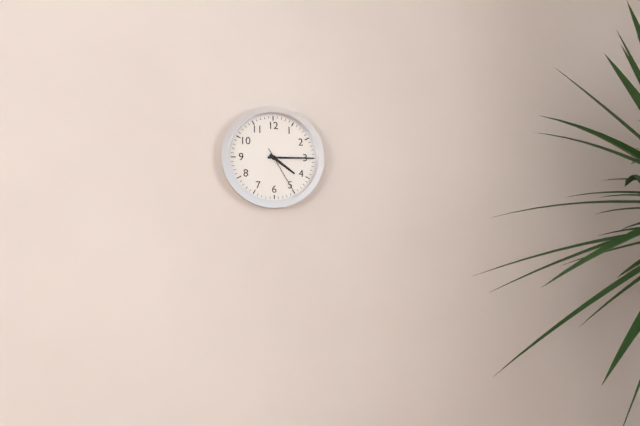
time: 4:15:25
